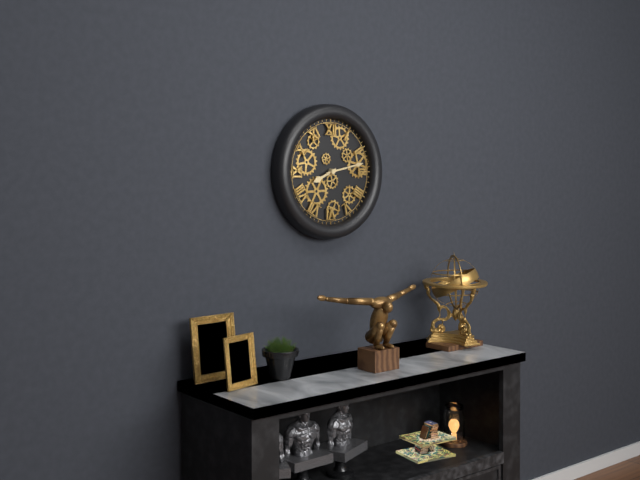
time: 8:13
